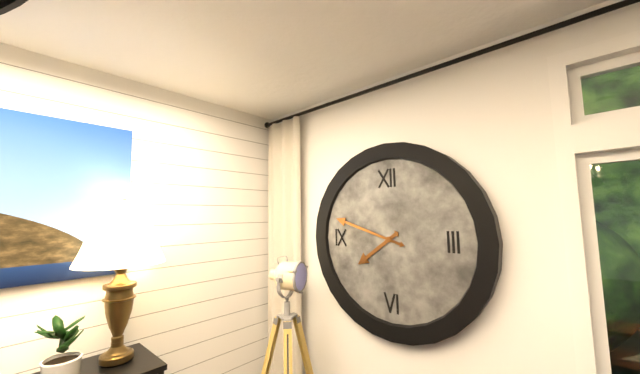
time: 7:48
